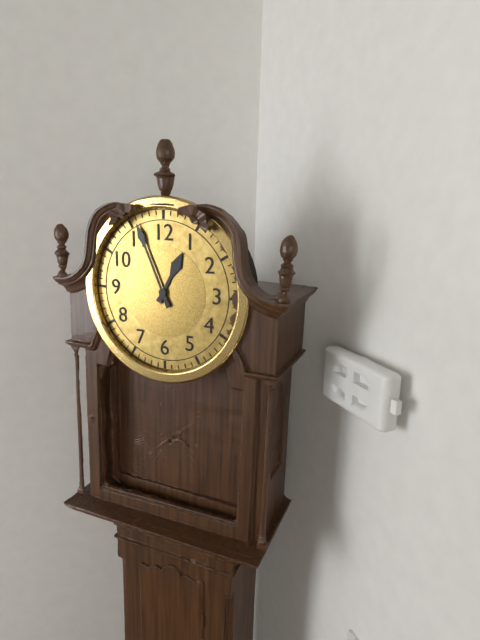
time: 12:56
